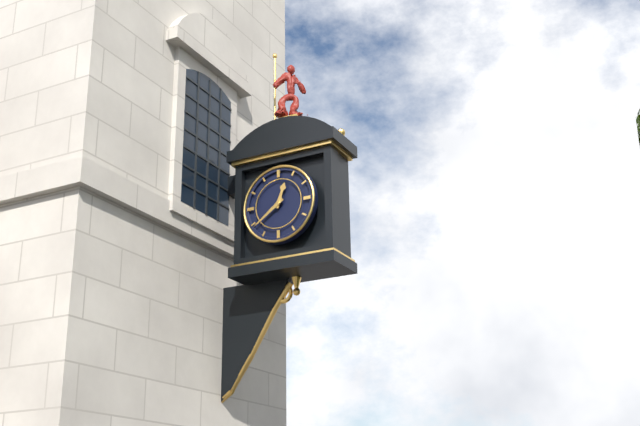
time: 12:39
